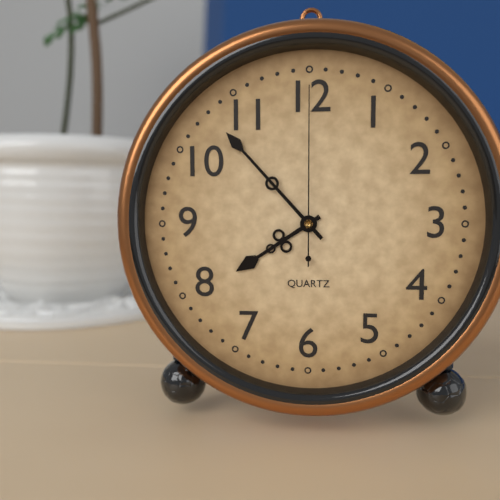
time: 7:53:00
